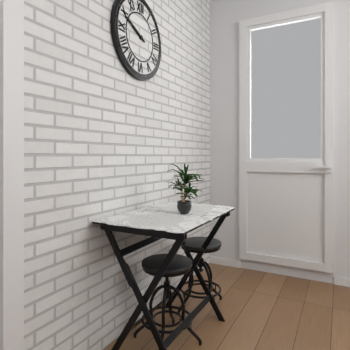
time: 9:49
